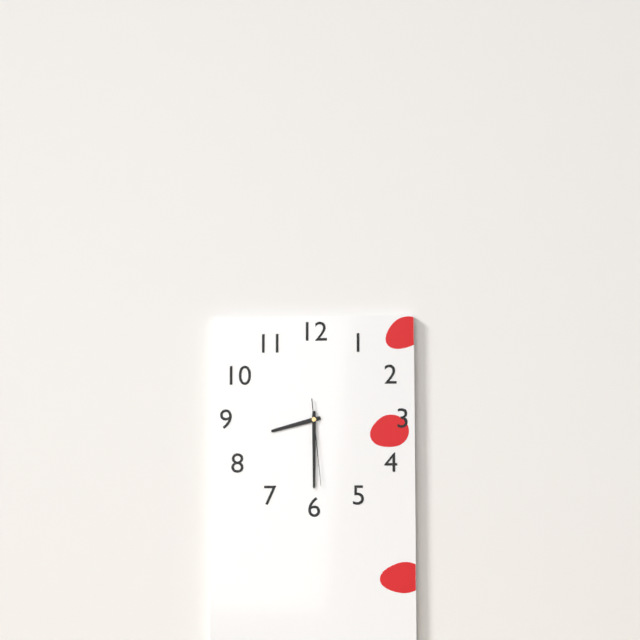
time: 8:30:29
